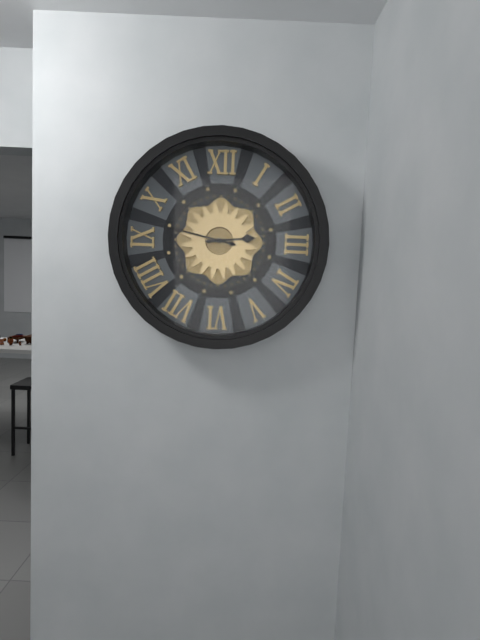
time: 2:47
